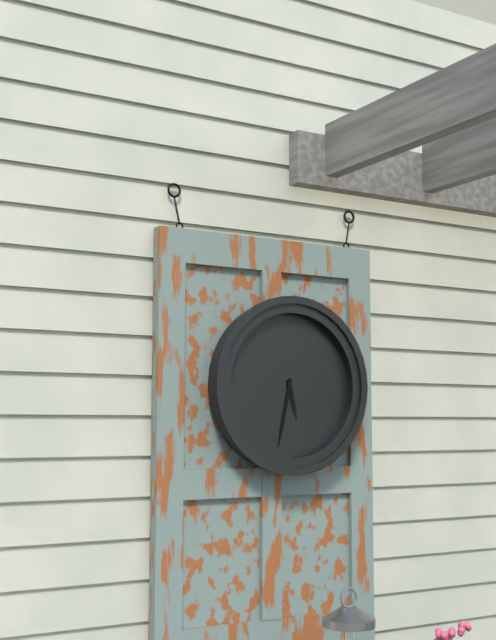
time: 5:32
